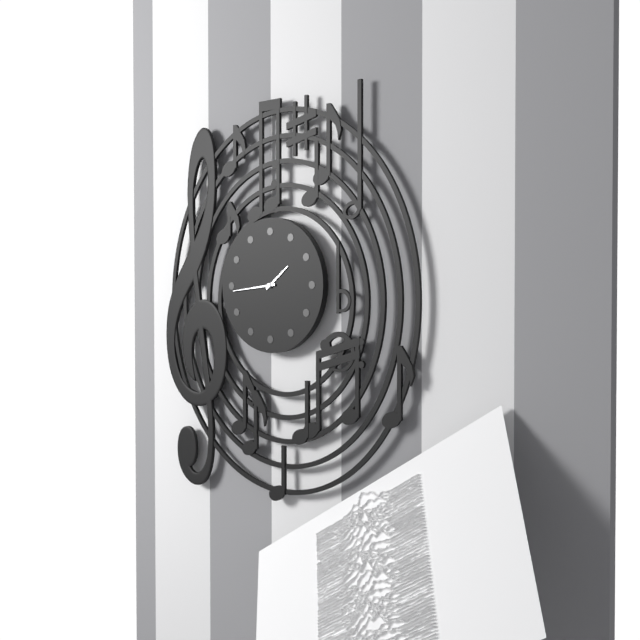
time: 1:44
